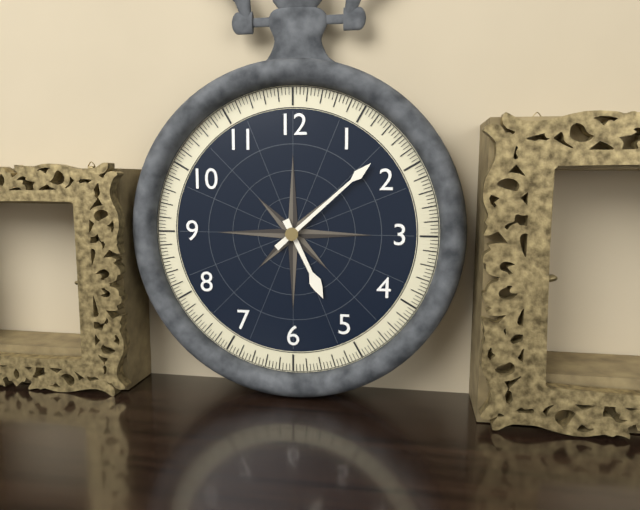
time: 5:08
